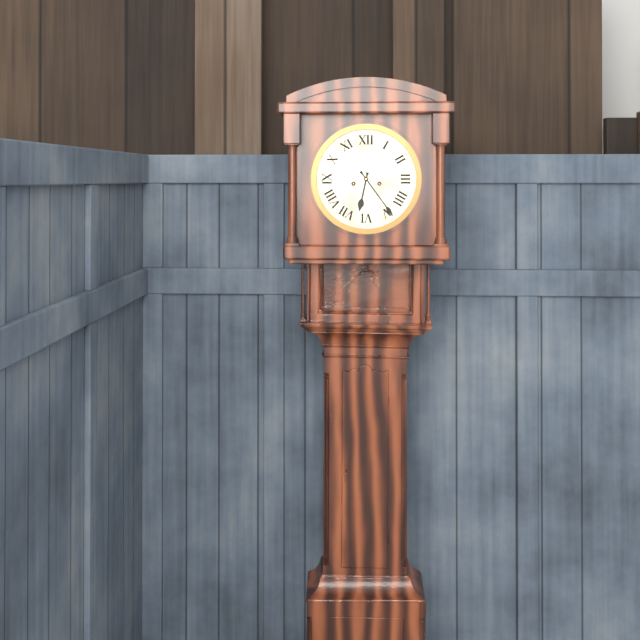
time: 6:24
